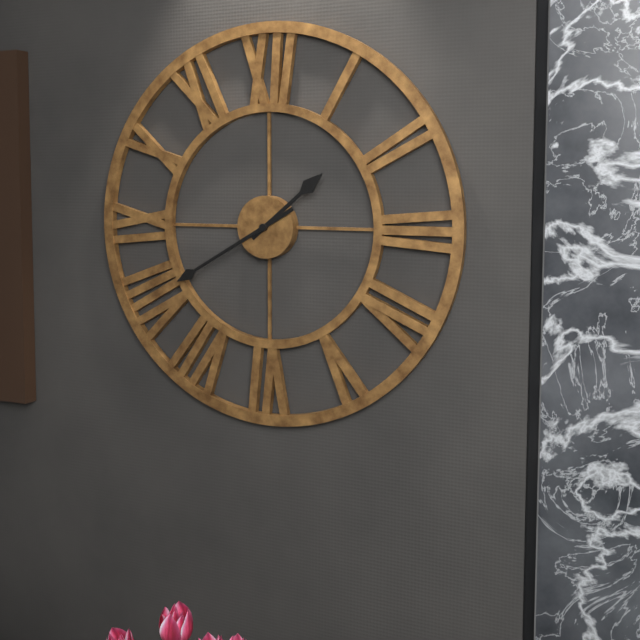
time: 1:40
